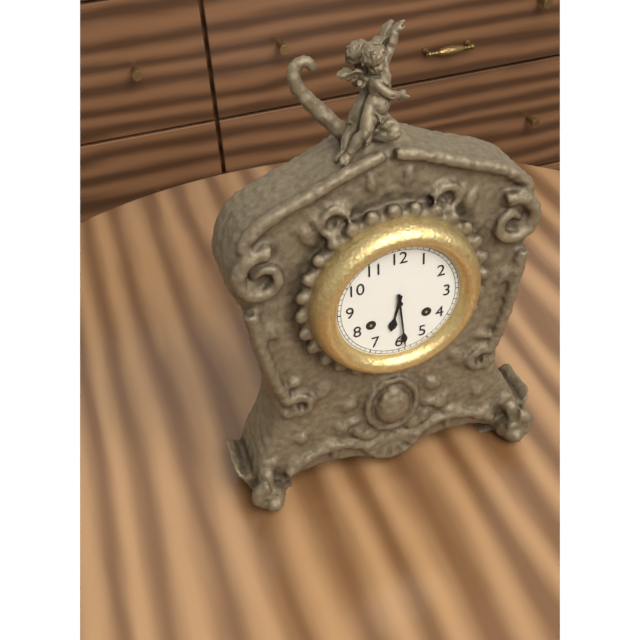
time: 6:29
